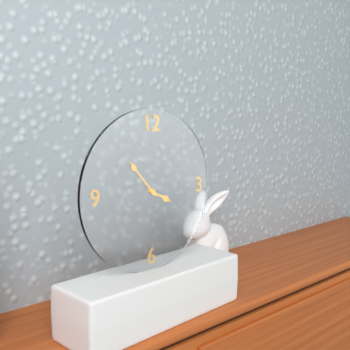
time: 3:53
